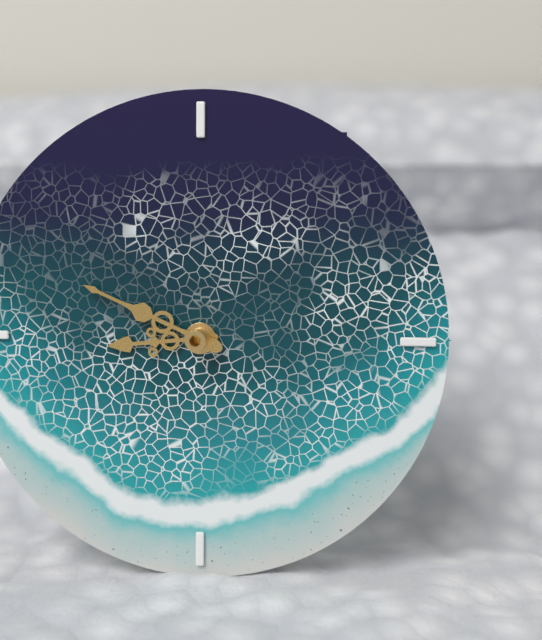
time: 8:49
